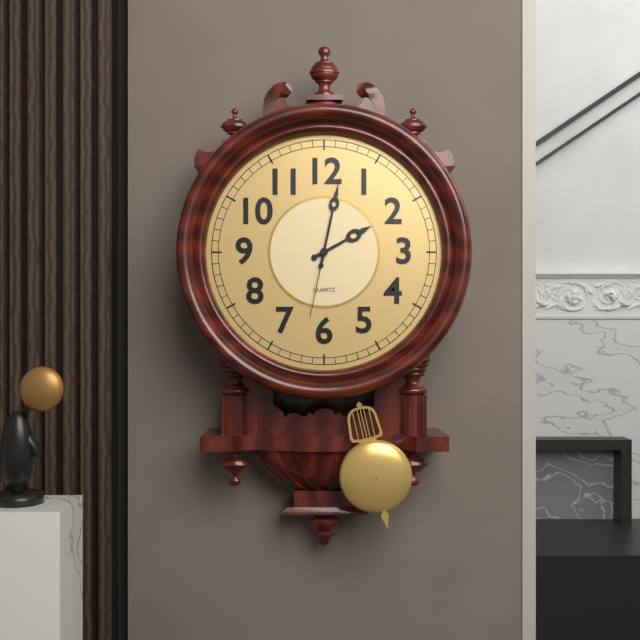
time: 2:02:32
